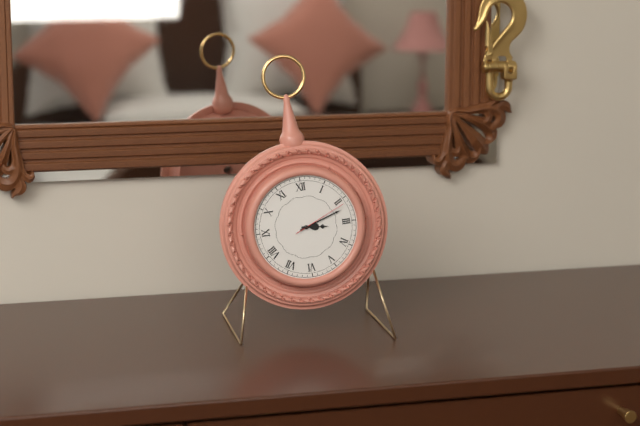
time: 3:12:11
